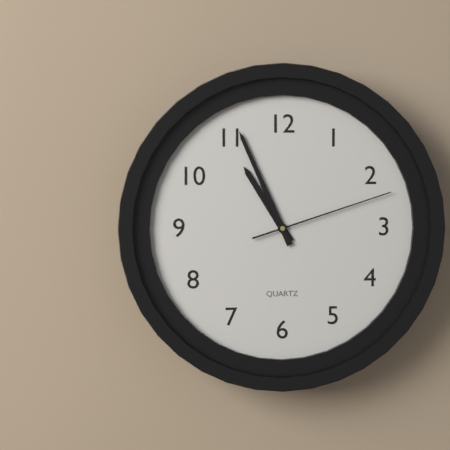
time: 10:56:12
